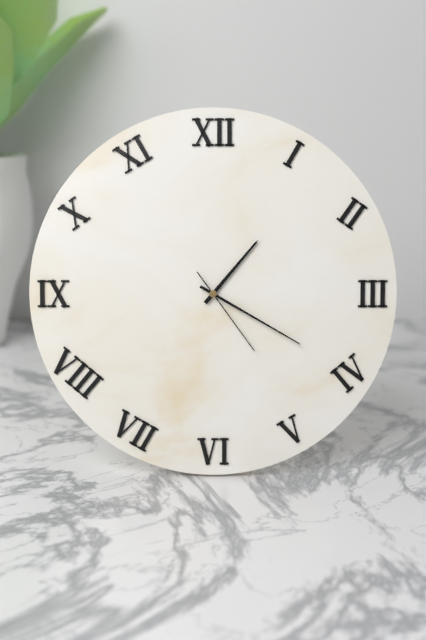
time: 1:20:24
